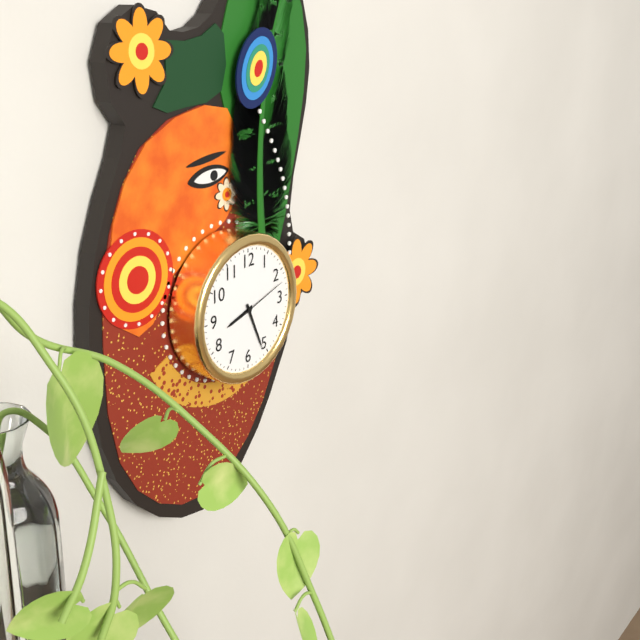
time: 8:26:12
